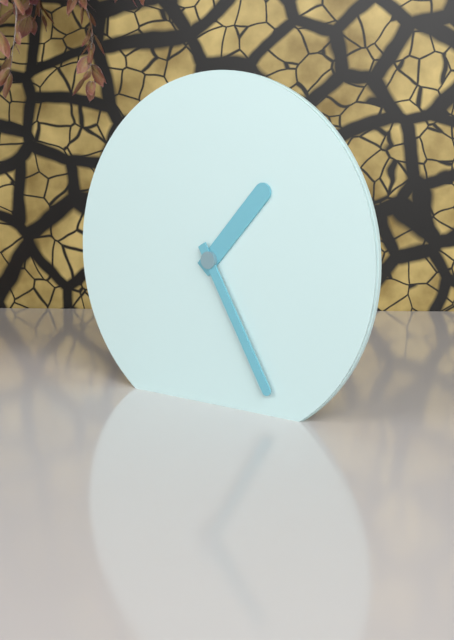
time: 1:25
